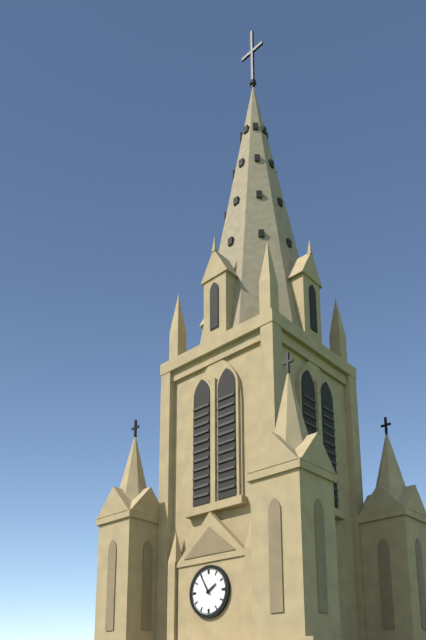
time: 1:55
